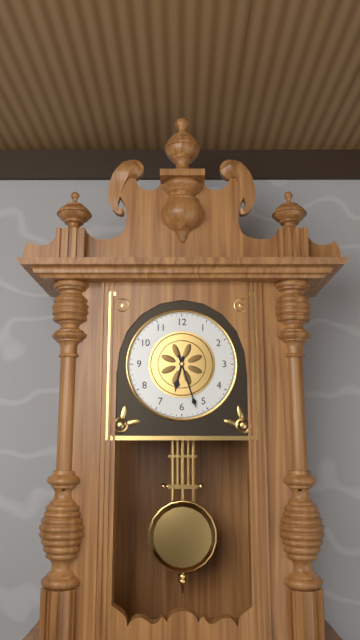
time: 6:27
